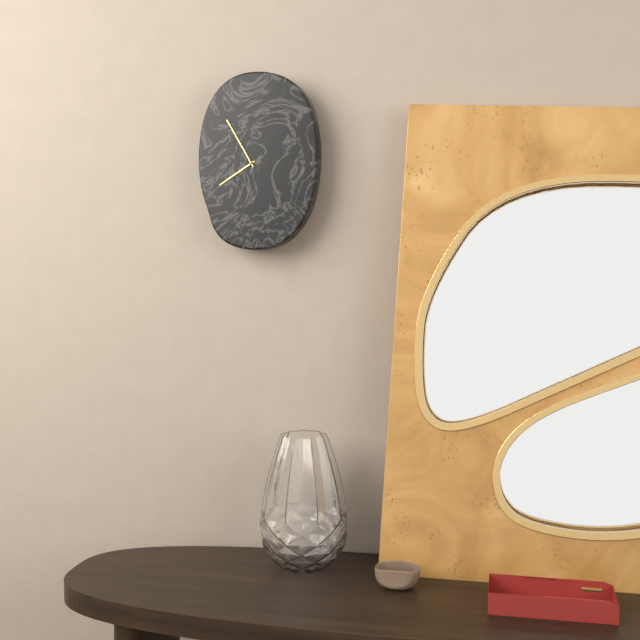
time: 7:55
